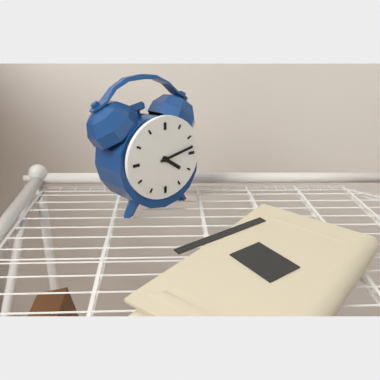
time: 4:13
